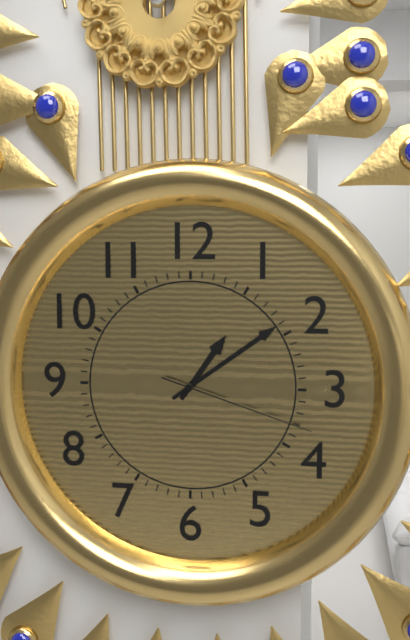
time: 1:09:18
